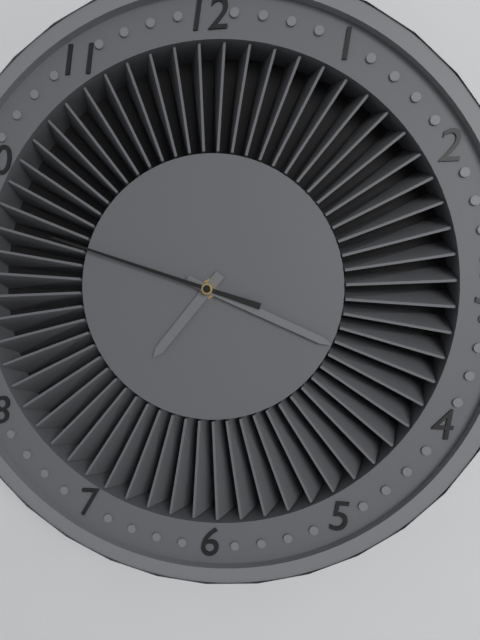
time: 7:19:48
